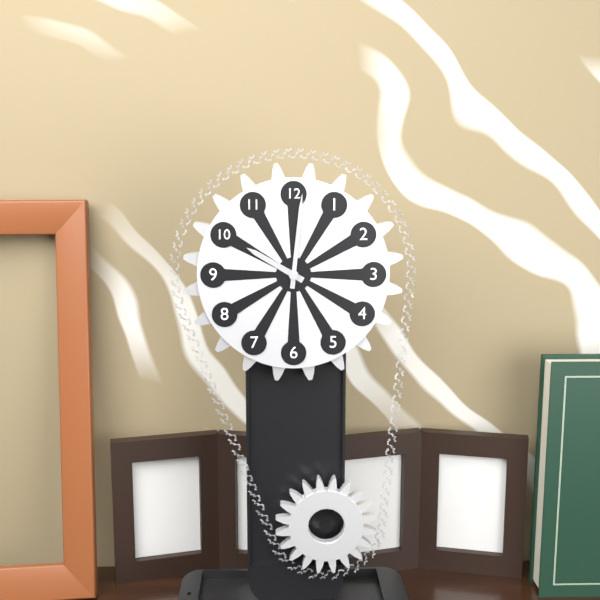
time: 10:01
